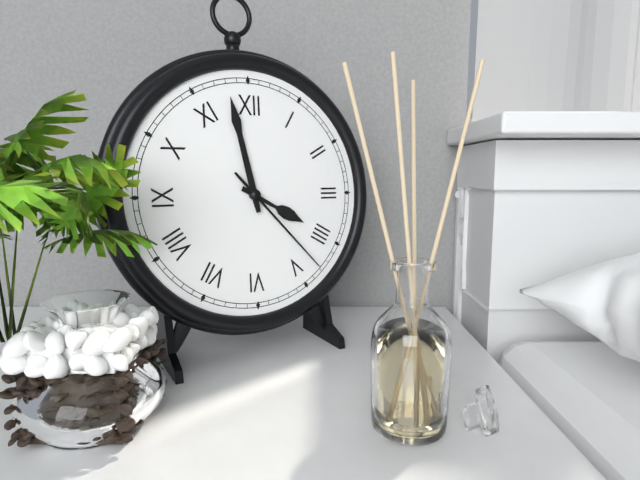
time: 3:58:23
